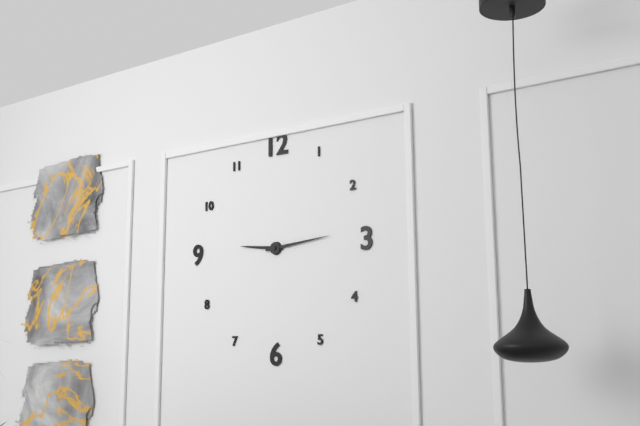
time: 9:14
